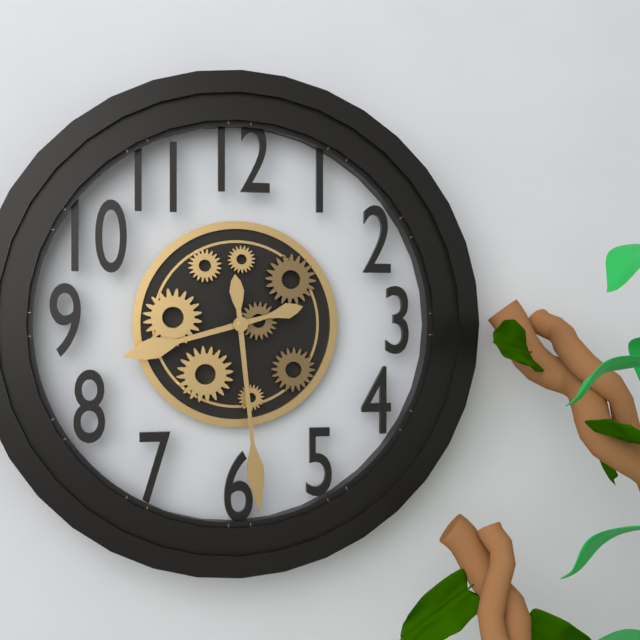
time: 8:29
